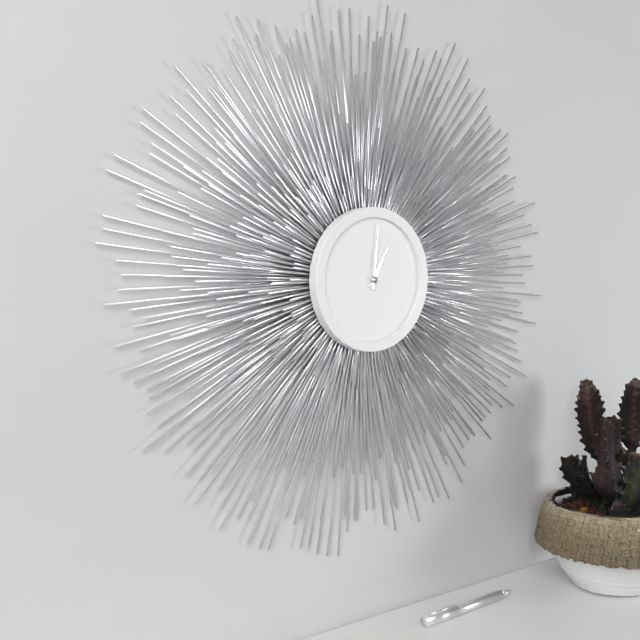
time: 1:01
